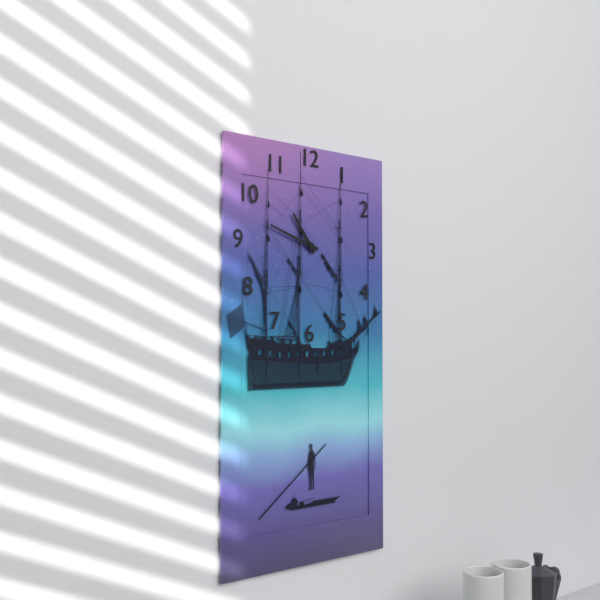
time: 10:48
